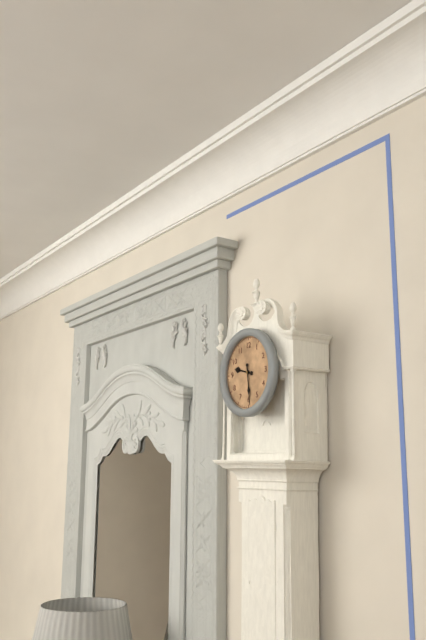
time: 9:29
